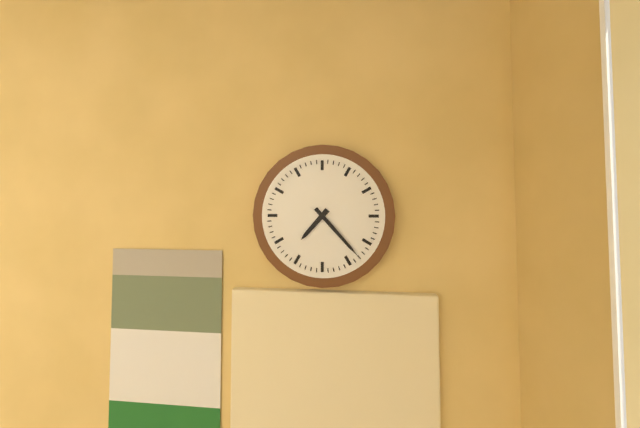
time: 7:23
